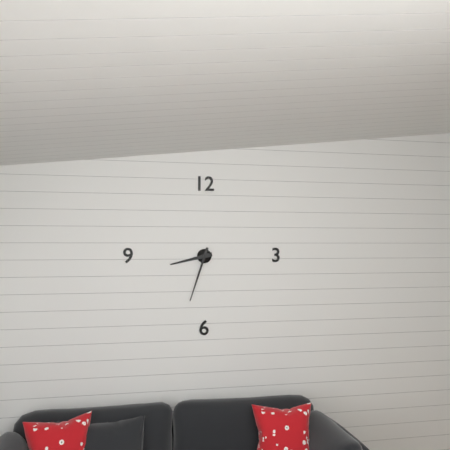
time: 8:33
